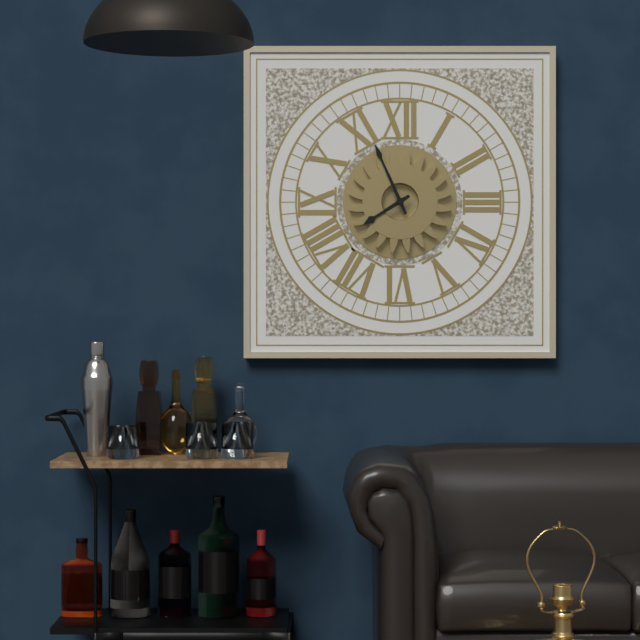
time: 7:56
